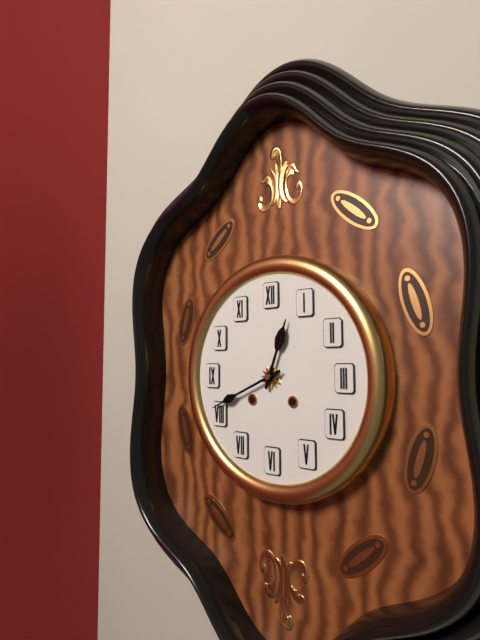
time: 12:41
